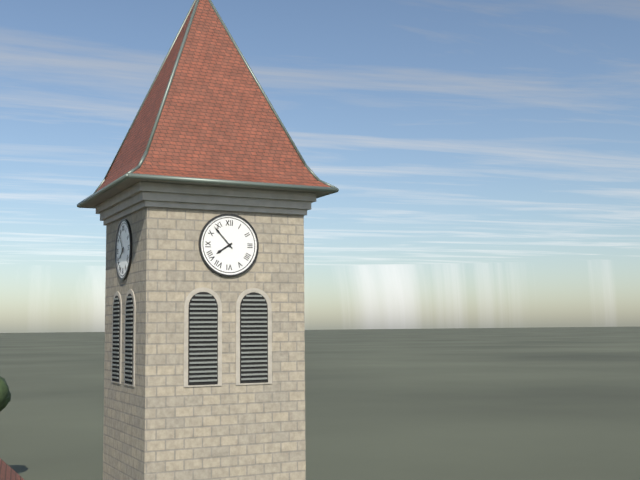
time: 7:53
